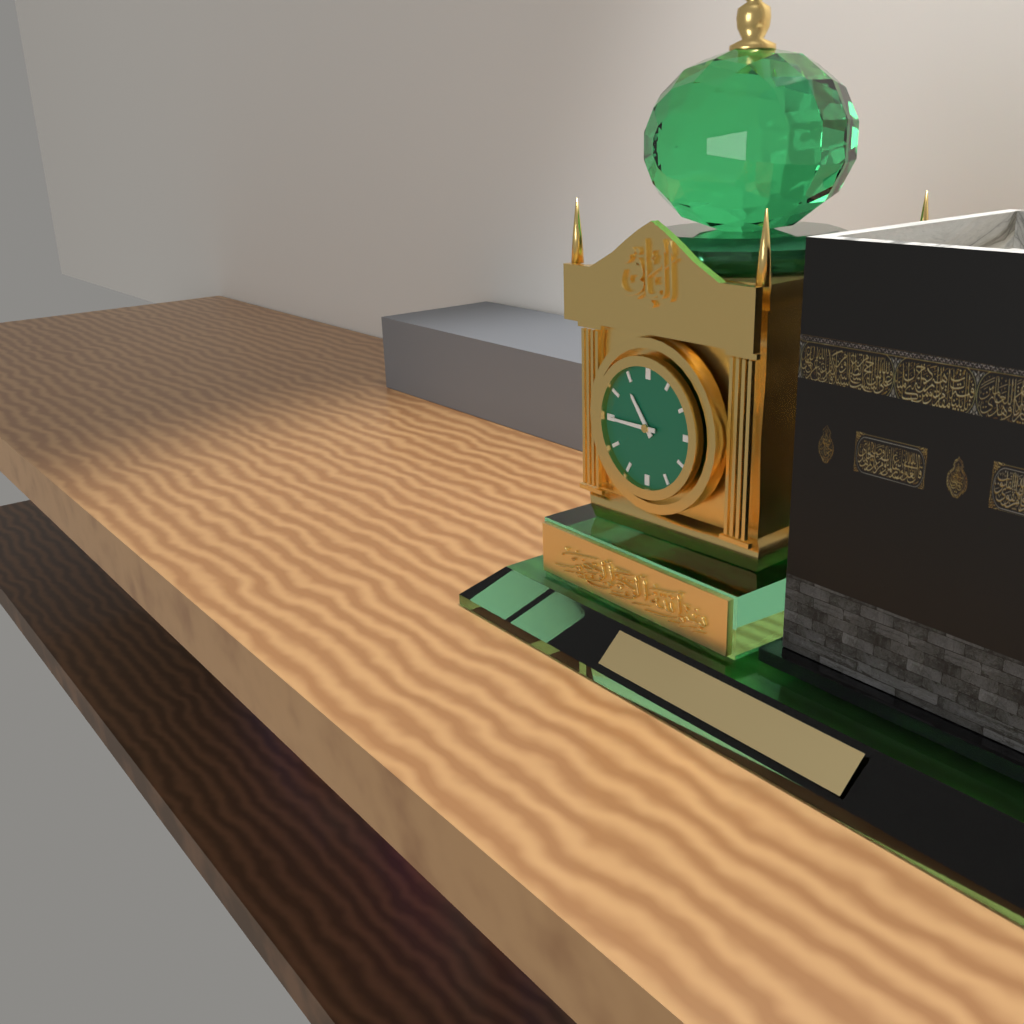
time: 10:45
